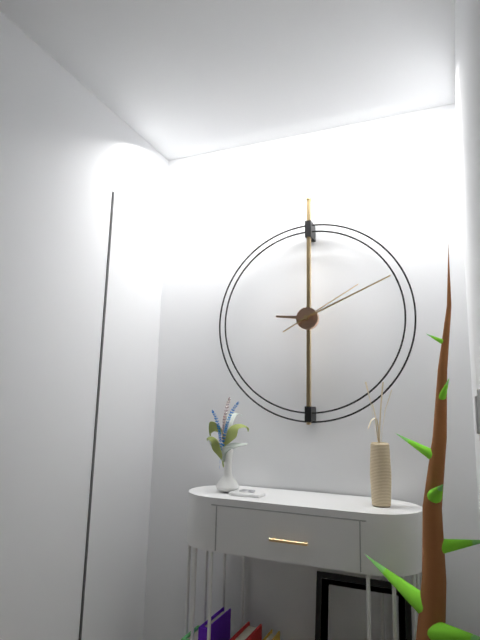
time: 9:11:10
